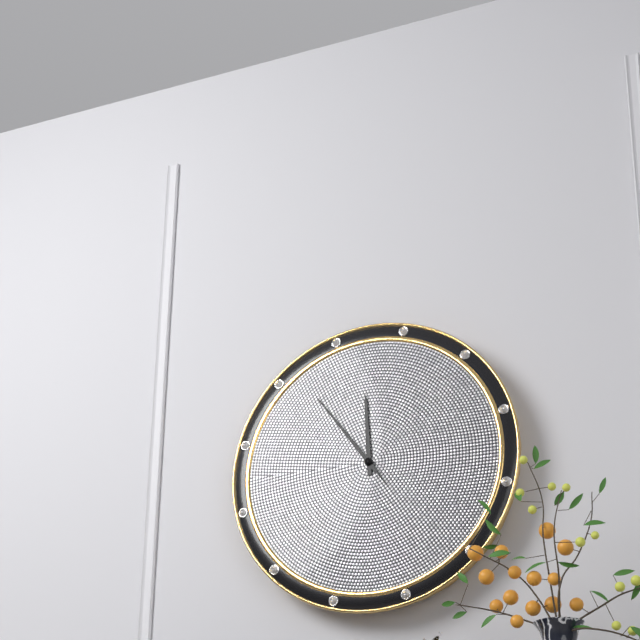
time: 11:54:54
